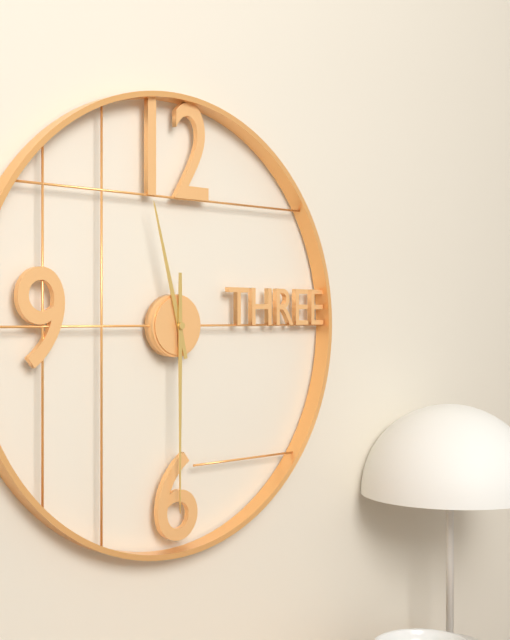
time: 11:30
